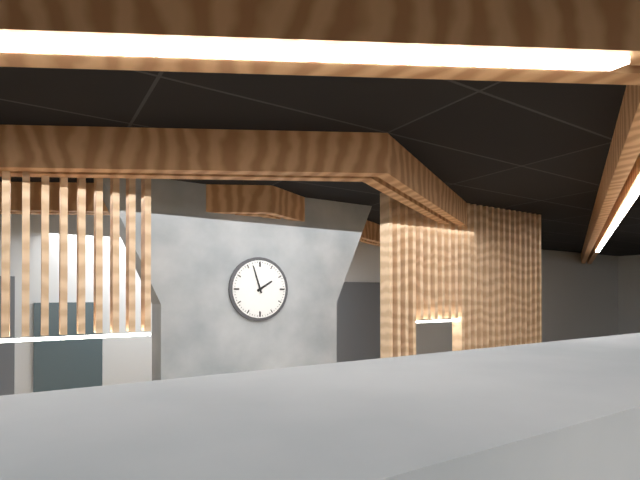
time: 1:57
